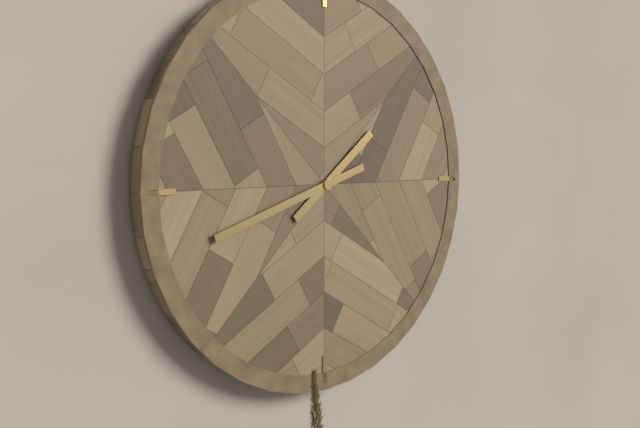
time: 1:42
